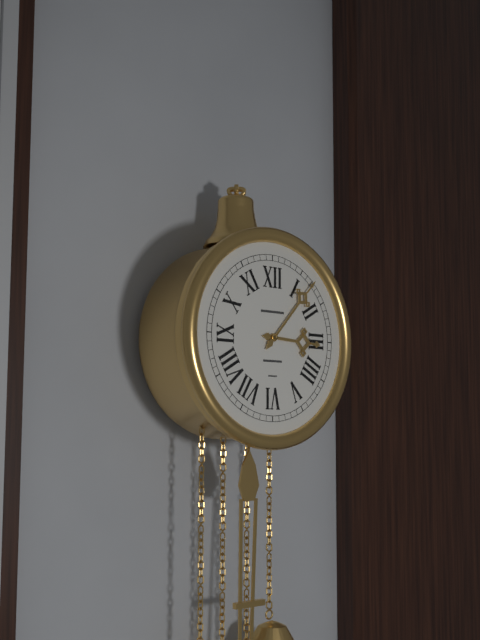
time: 3:07
